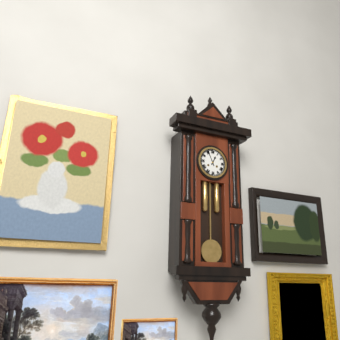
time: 12:56
